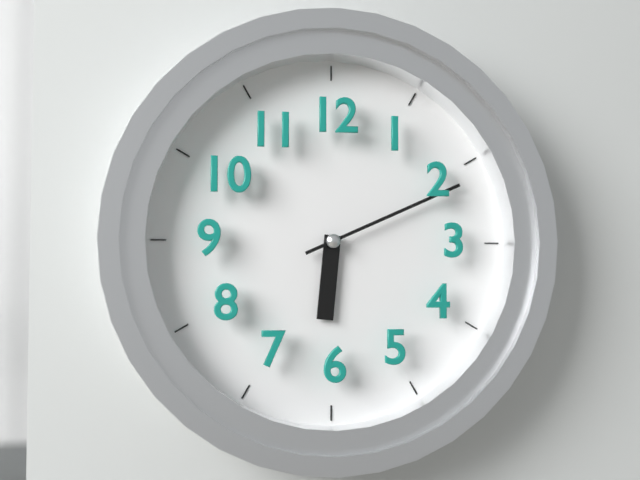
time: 6:11
